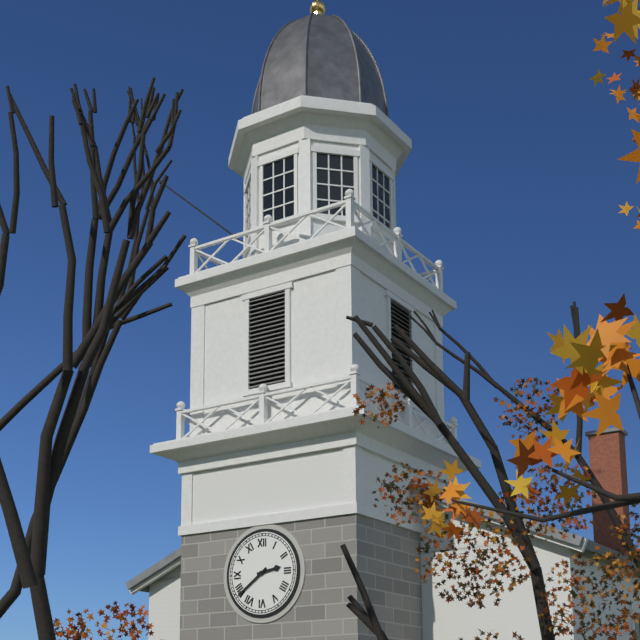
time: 2:39
